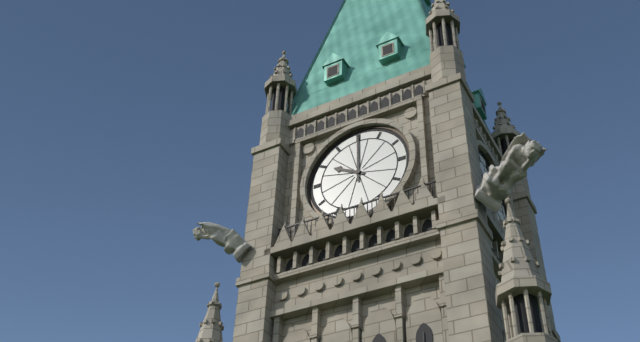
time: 10:00
